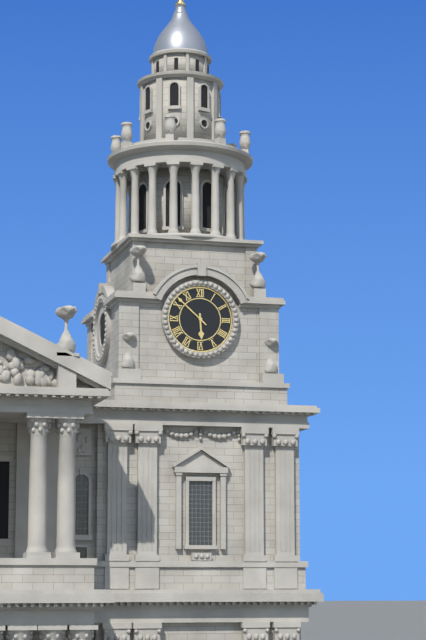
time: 5:52
